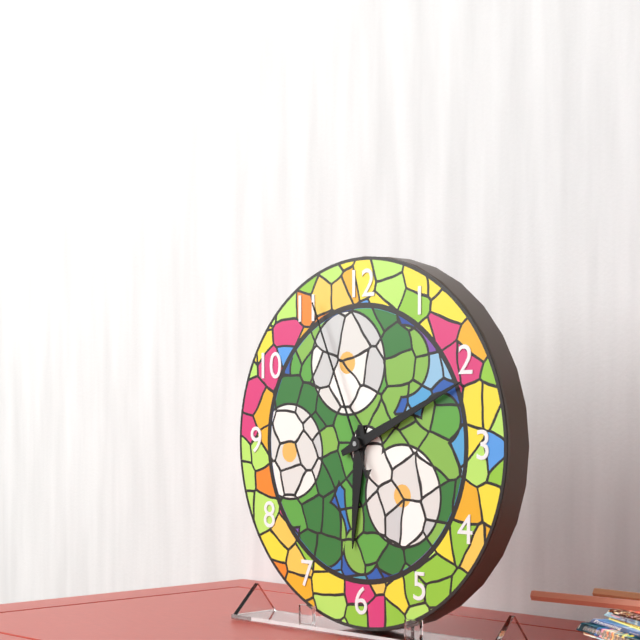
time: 6:11:56
